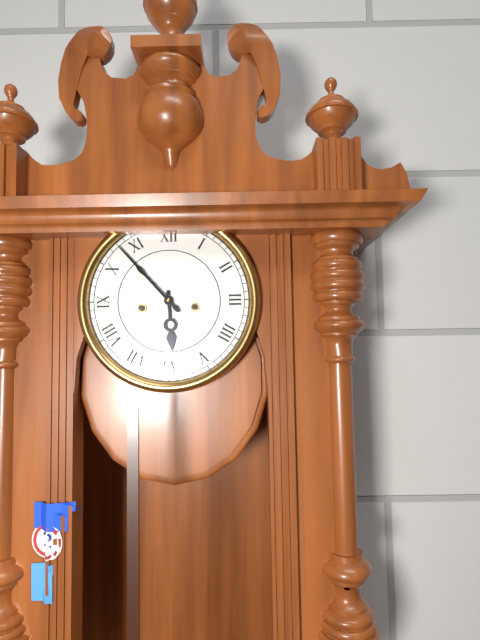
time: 5:53
